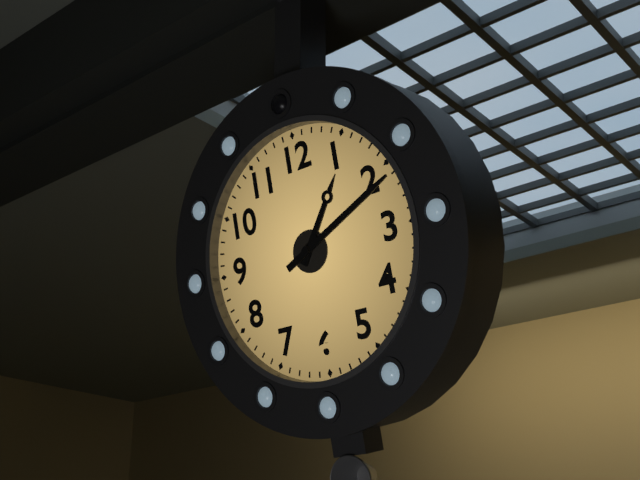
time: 1:11
